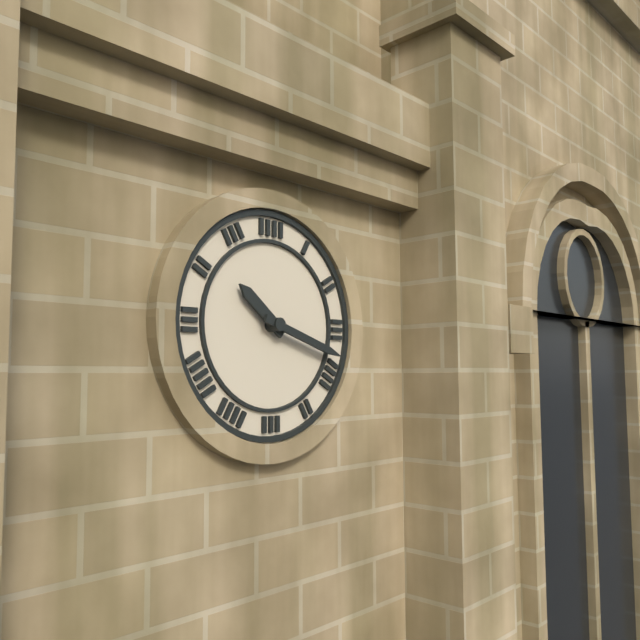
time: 10:18
